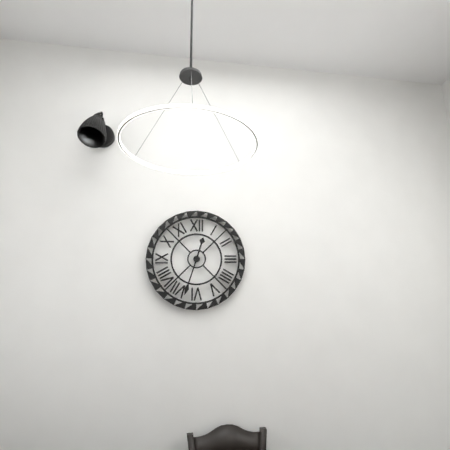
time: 12:33
